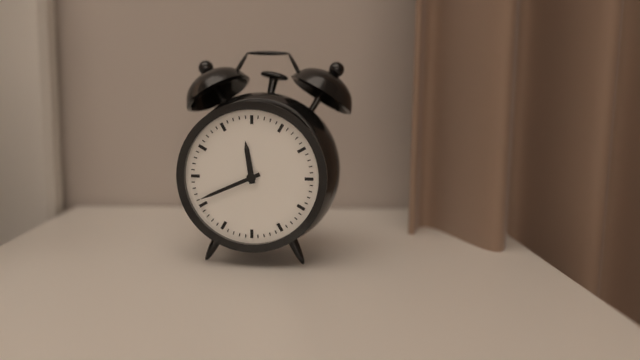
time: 11:41
